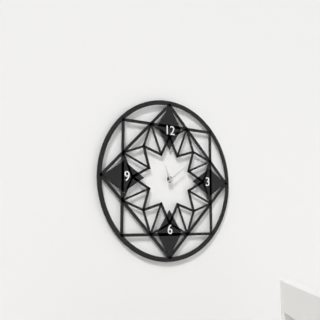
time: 11:09
